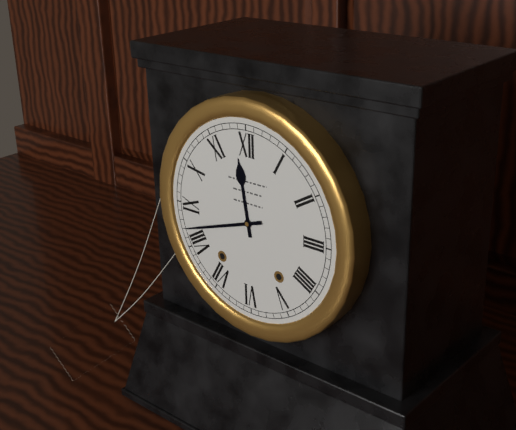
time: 11:42
